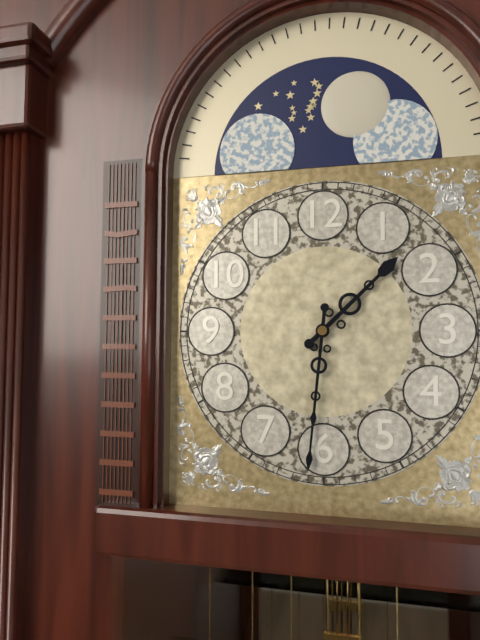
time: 1:31
